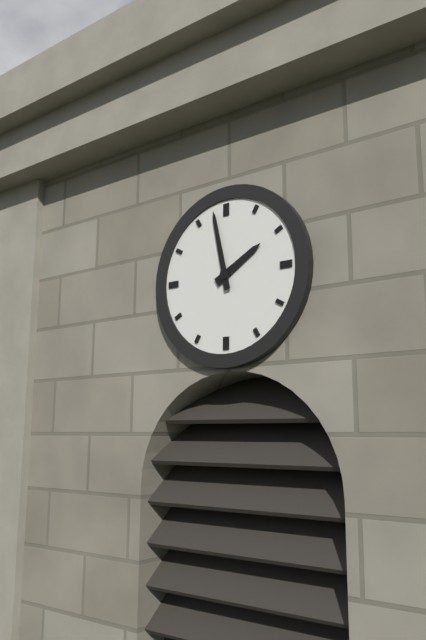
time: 1:58
